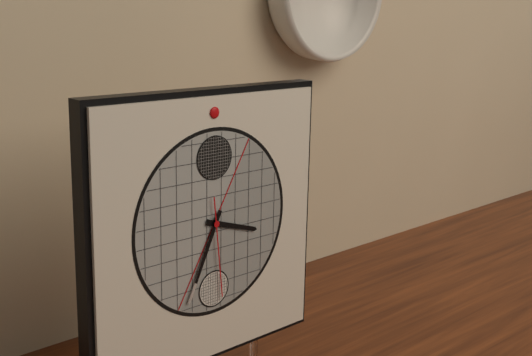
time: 3:34:29
